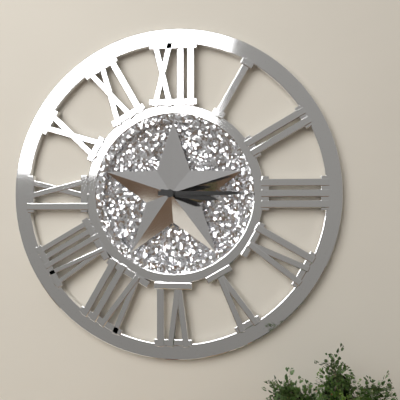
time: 3:15
